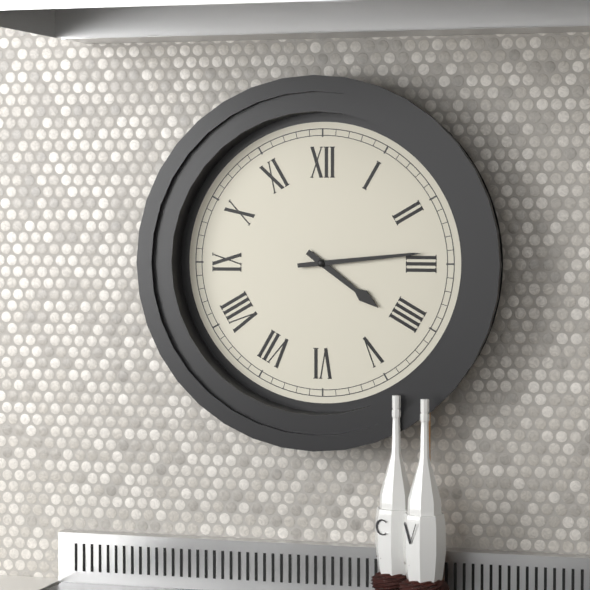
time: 4:14
